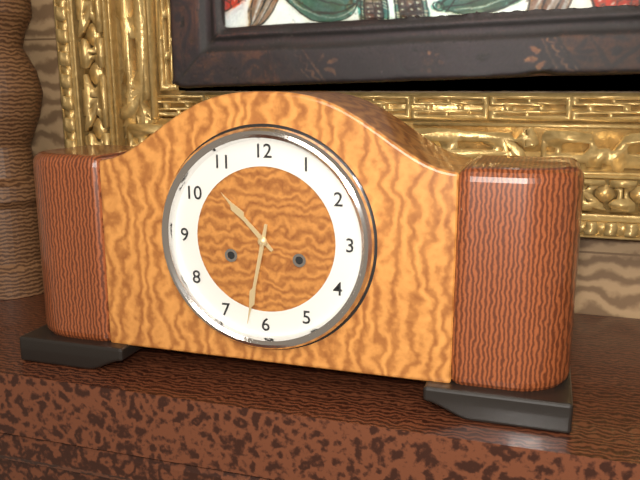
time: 10:32
